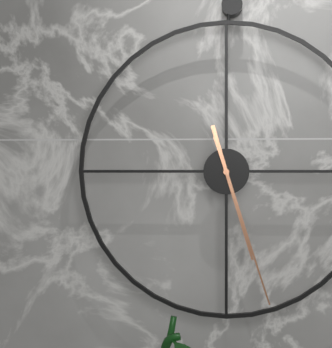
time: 5:27
